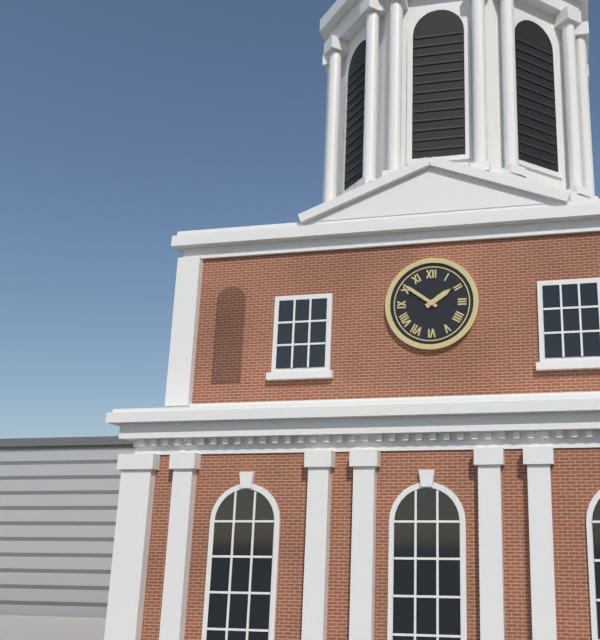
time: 1:51
